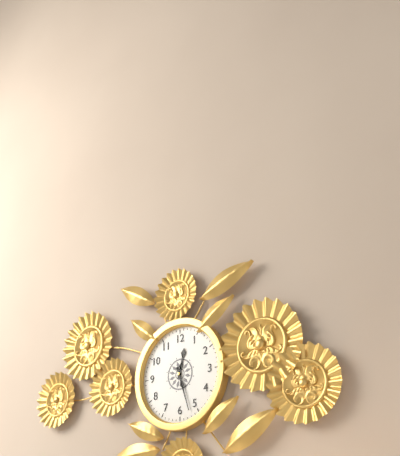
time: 12:27
